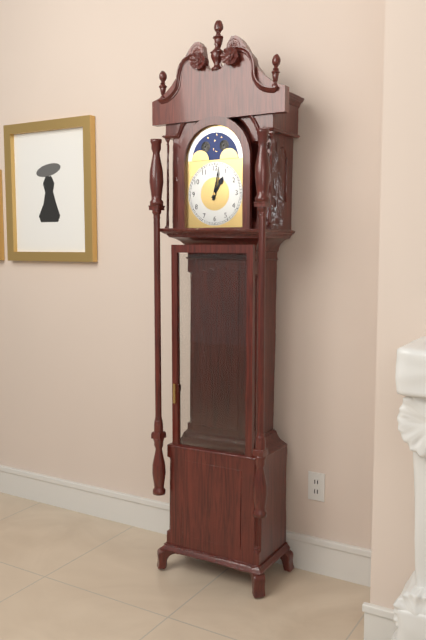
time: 1:02
